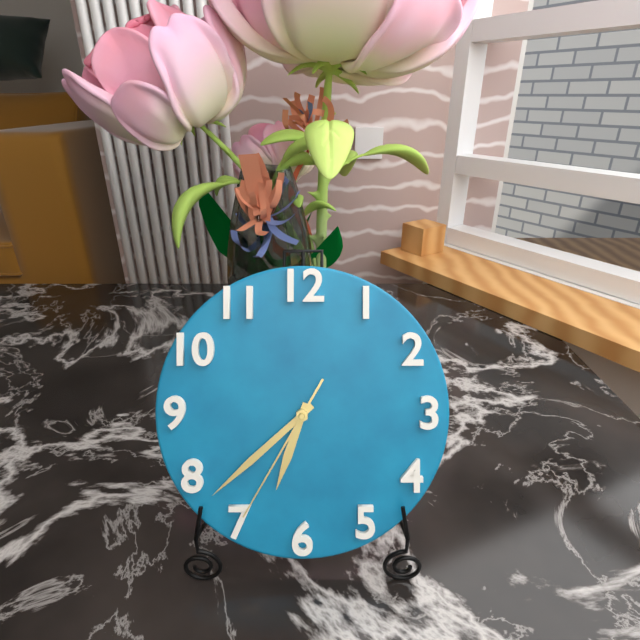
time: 6:38:35
